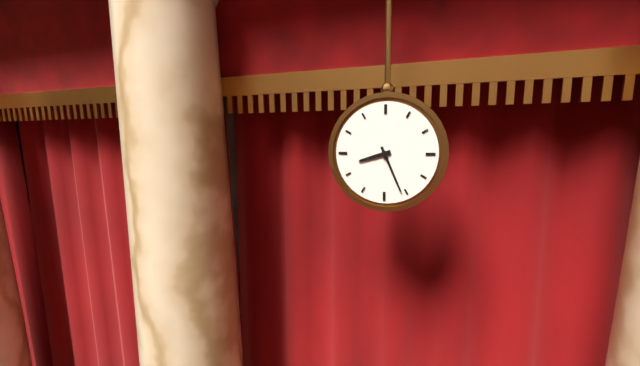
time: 8:26
